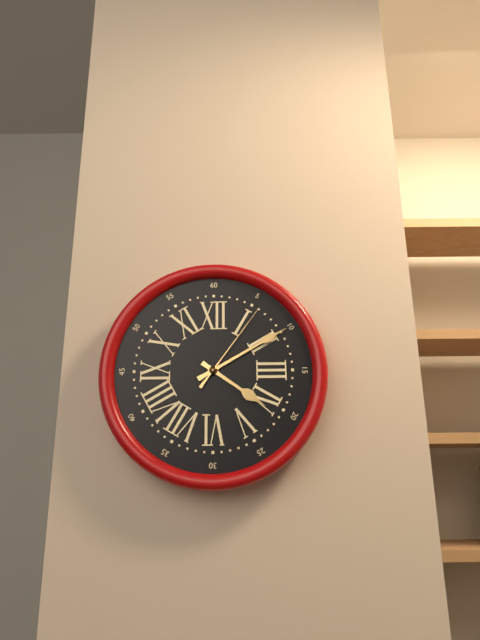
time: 4:10:06
